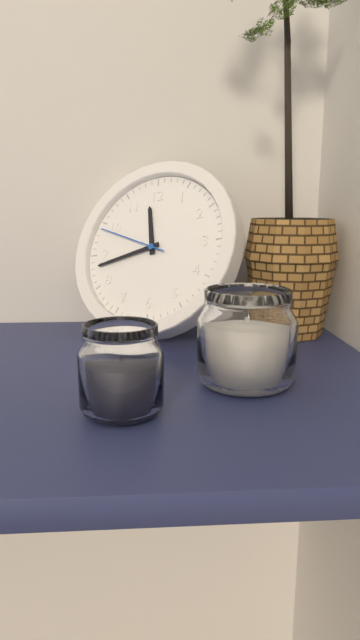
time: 11:43:49
